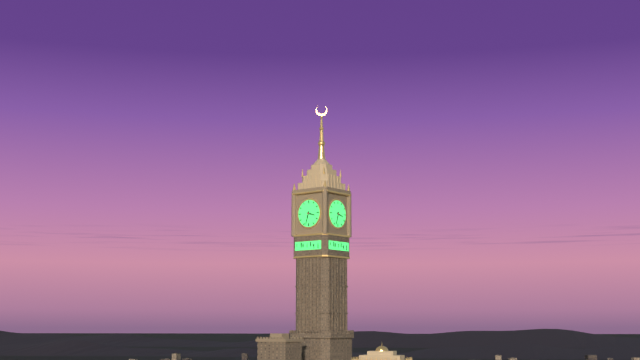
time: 3:33
